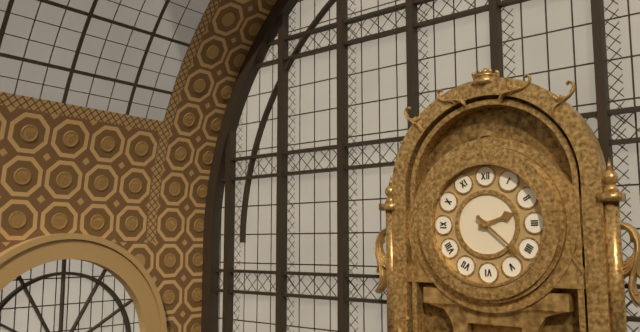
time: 2:22
